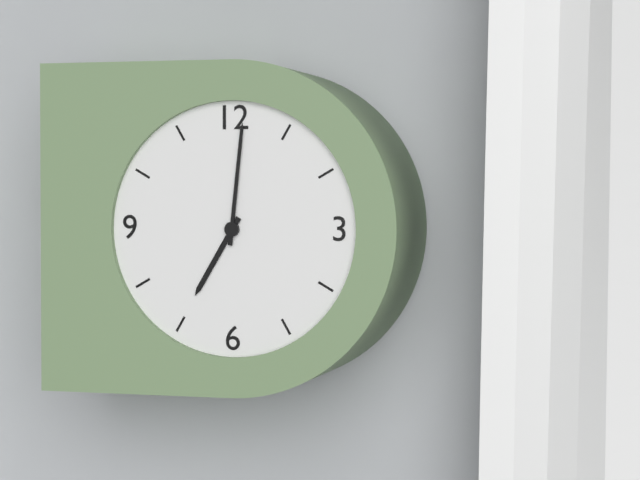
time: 7:01
